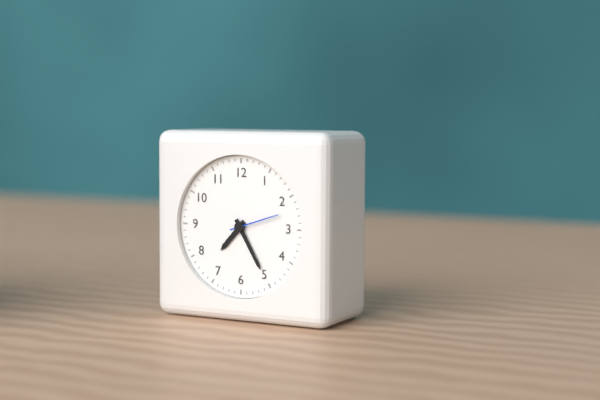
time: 7:25:12
